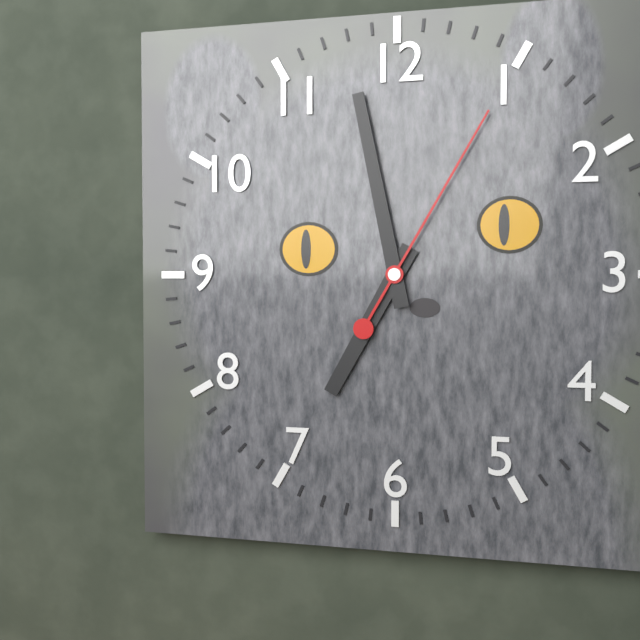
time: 6:58:05
